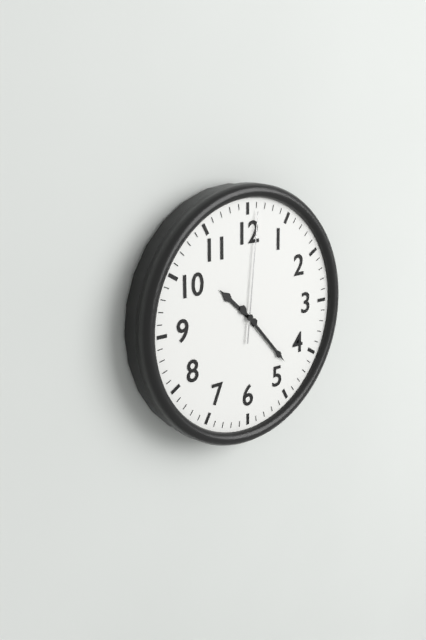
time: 10:23:01
